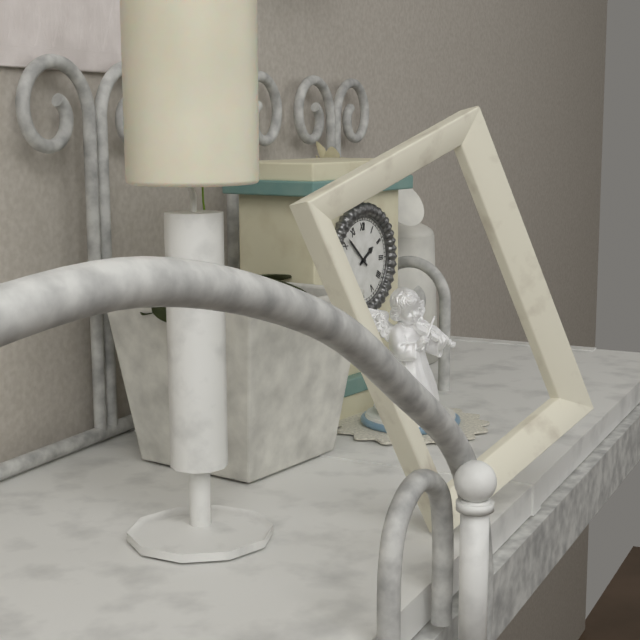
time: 1:52
